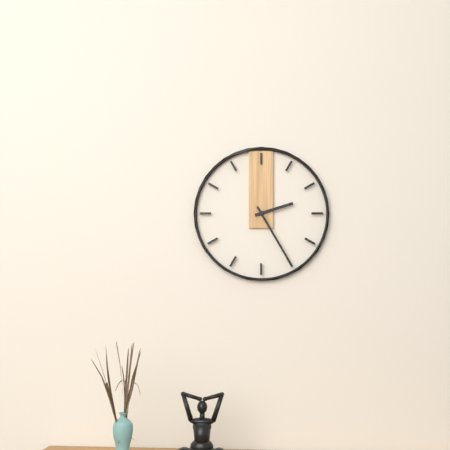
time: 2:25
